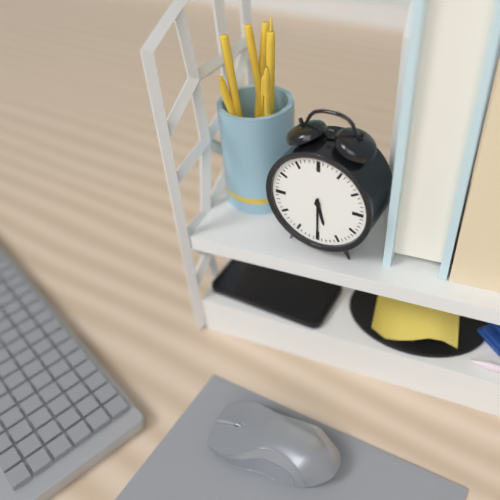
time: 5:30
